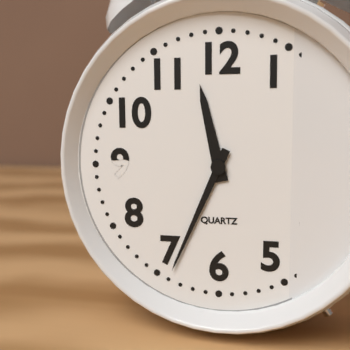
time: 11:34
